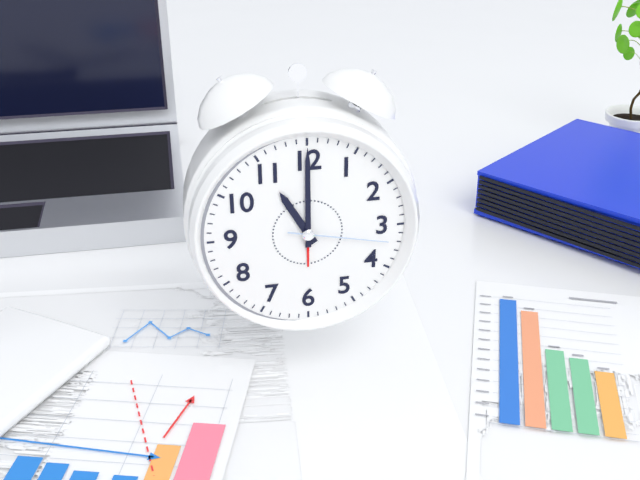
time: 11:00:17
